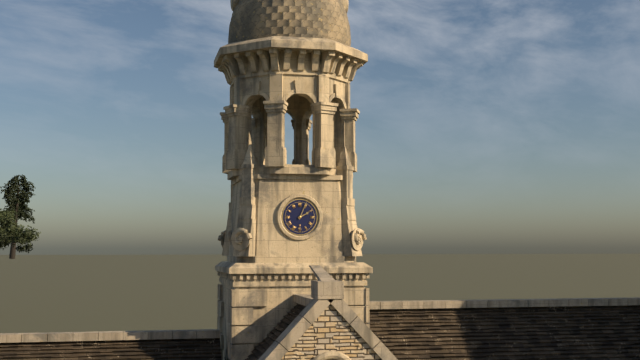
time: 2:04
